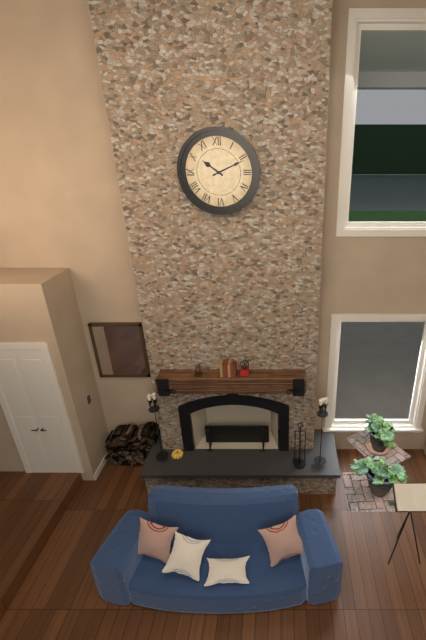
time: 10:11
